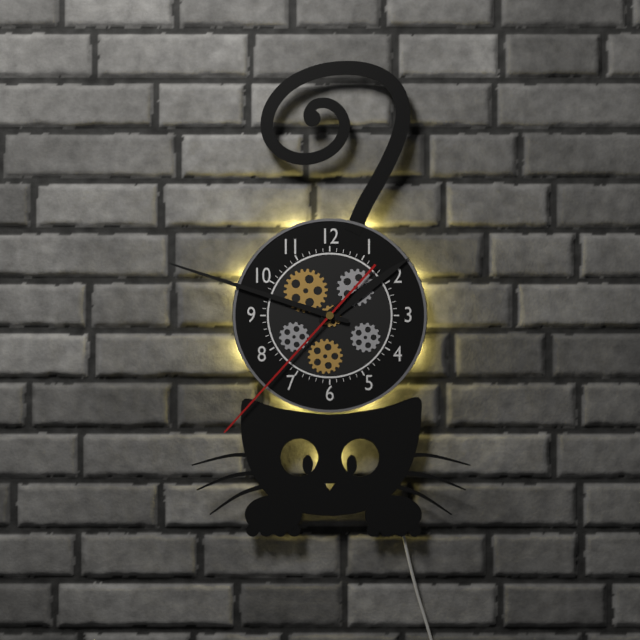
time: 1:48:37
